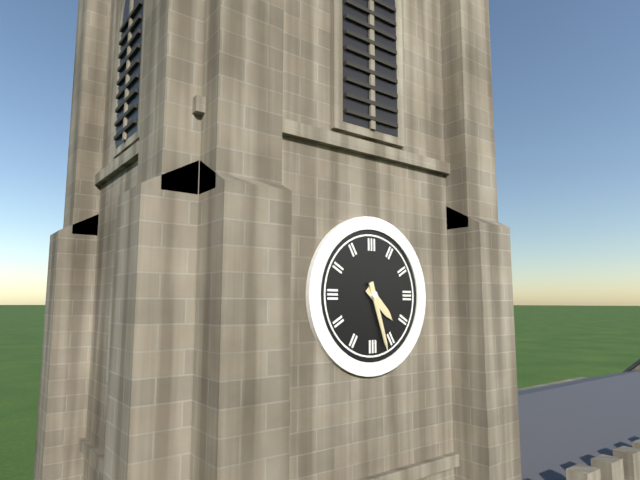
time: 4:27
